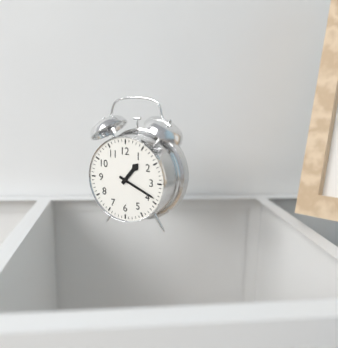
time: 1:19
